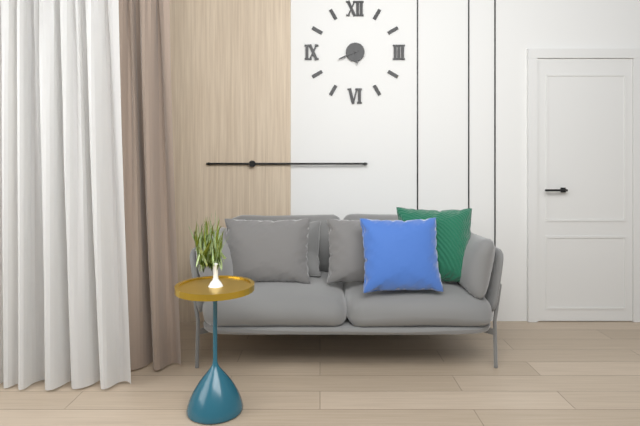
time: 5:41
